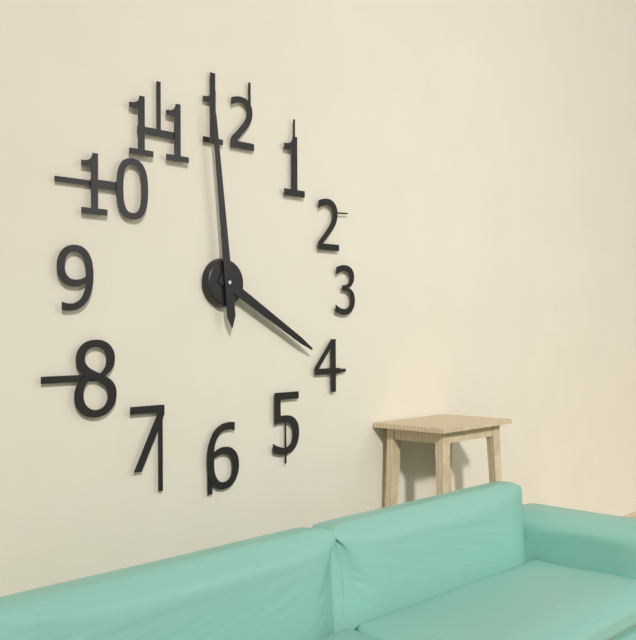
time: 3:59
